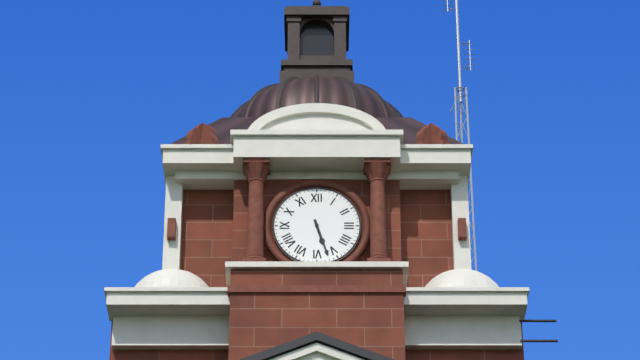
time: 5:27
